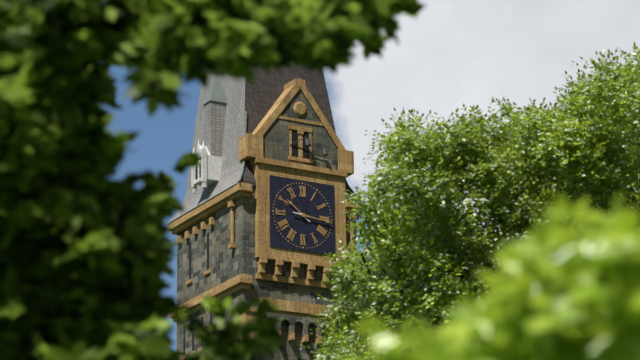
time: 10:16
